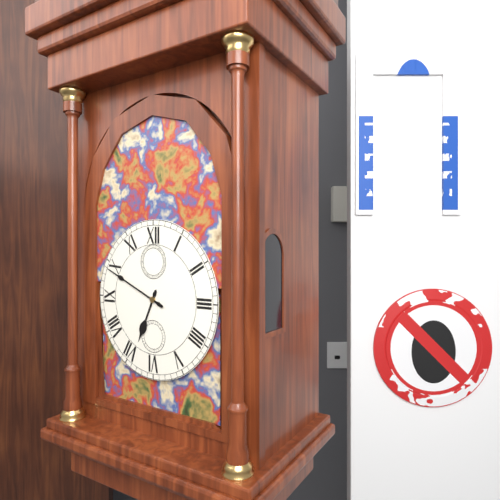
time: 6:49
